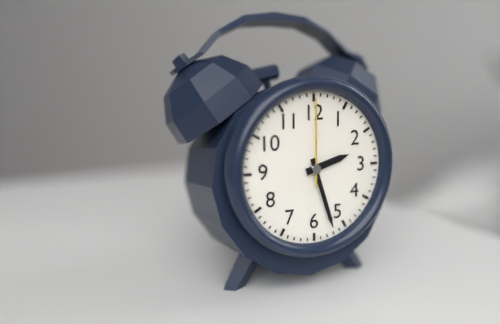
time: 2:27:00
